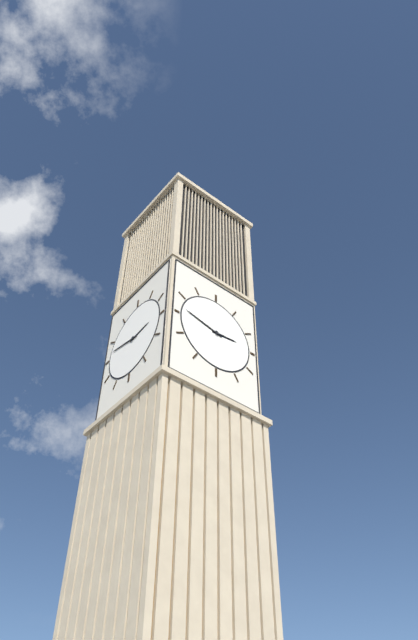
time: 2:47
